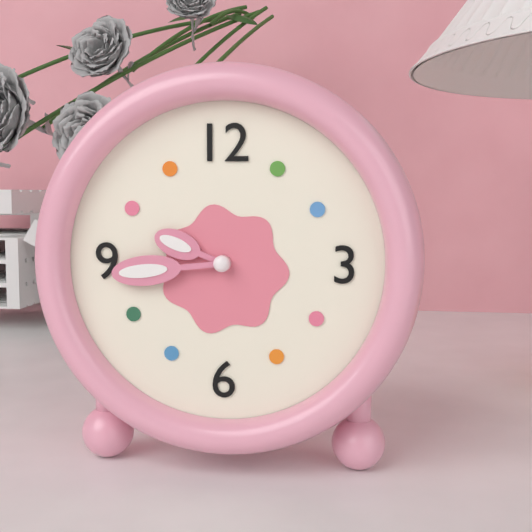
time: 9:44
